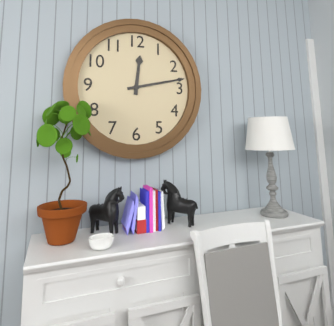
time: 12:13
